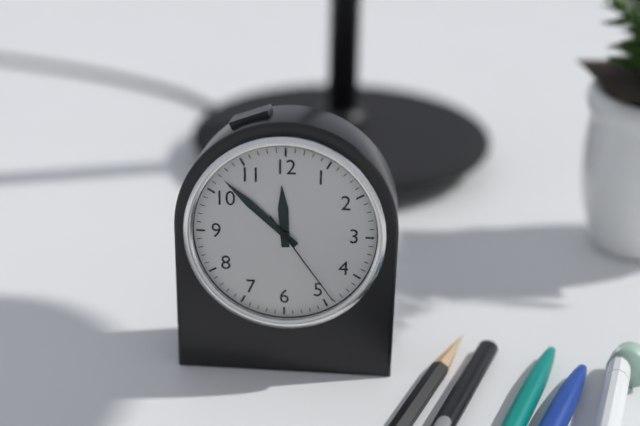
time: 11:52:24
